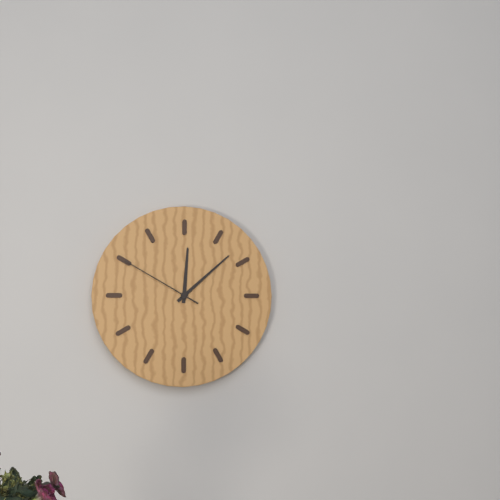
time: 12:08:50
